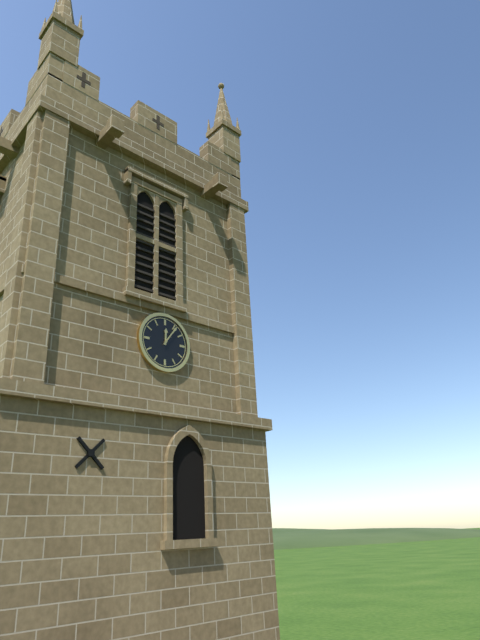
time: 12:06
